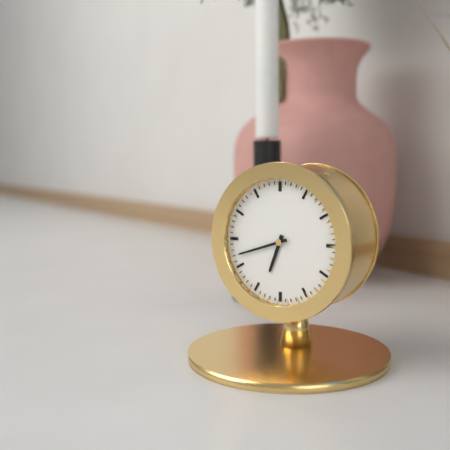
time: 6:42
